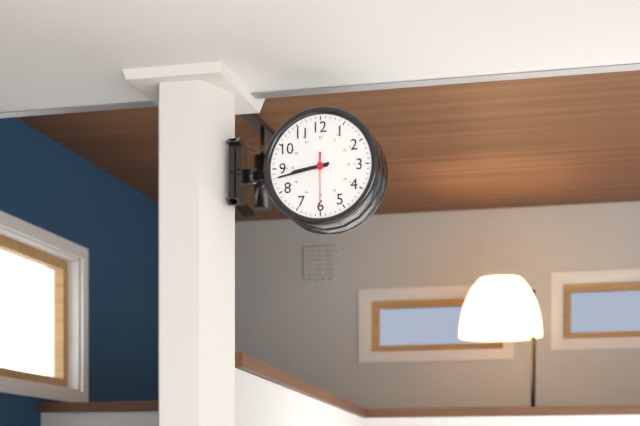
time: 8:43:30
